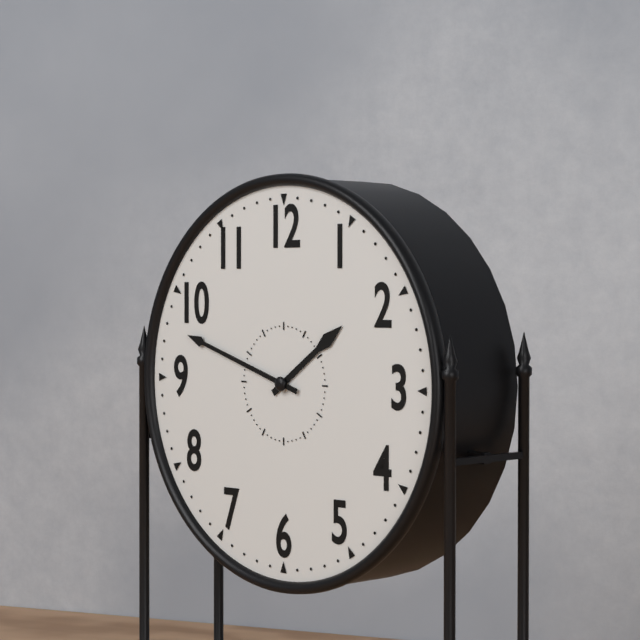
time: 1:48
